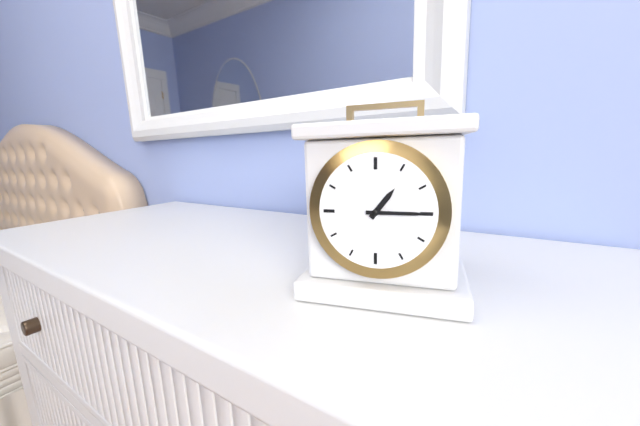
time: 1:15
